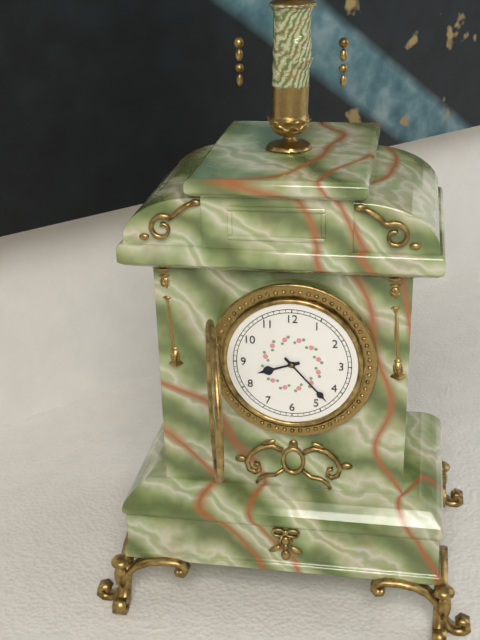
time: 8:23
